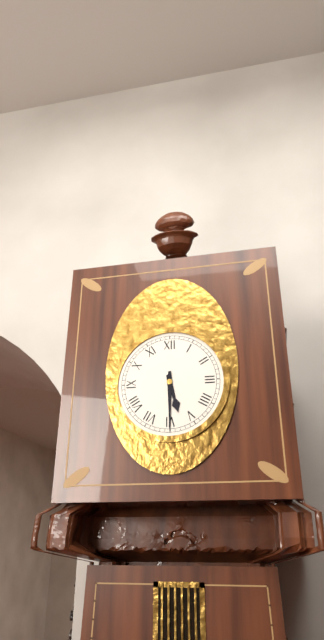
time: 5:30
